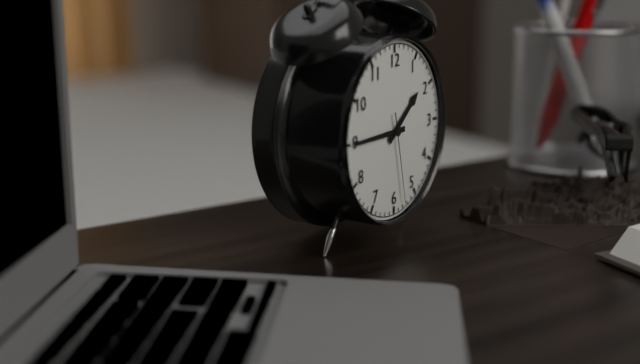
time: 1:45:28
